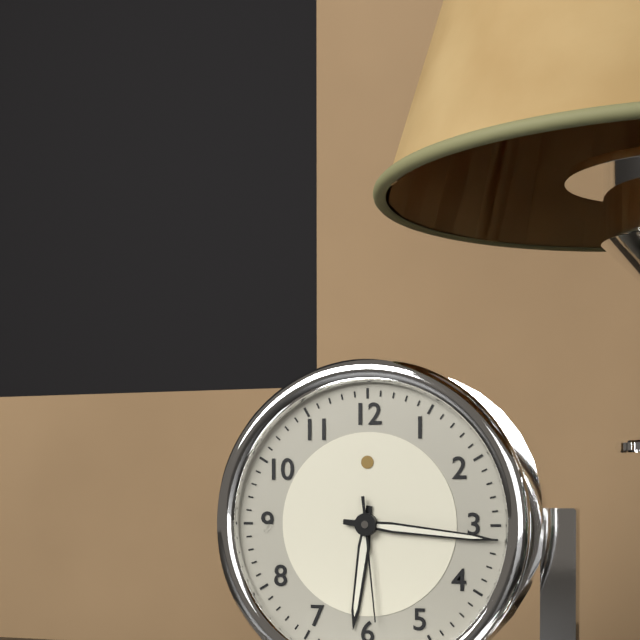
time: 6:16:29
